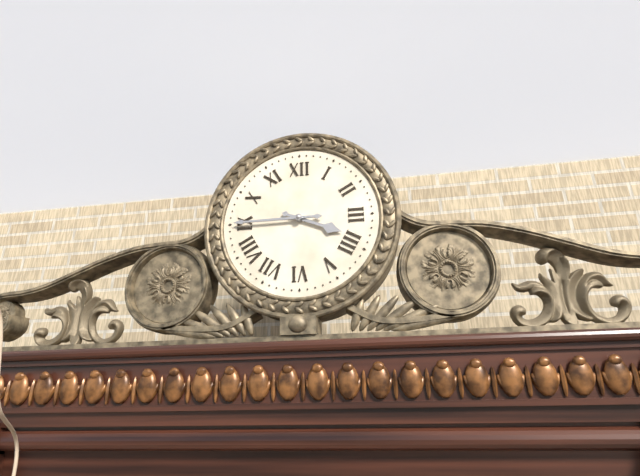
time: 3:45
